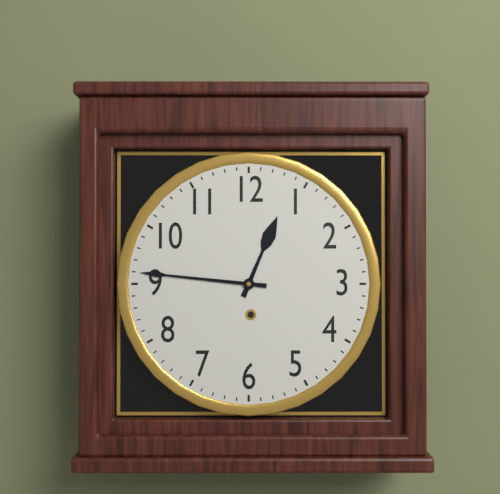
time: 12:46
